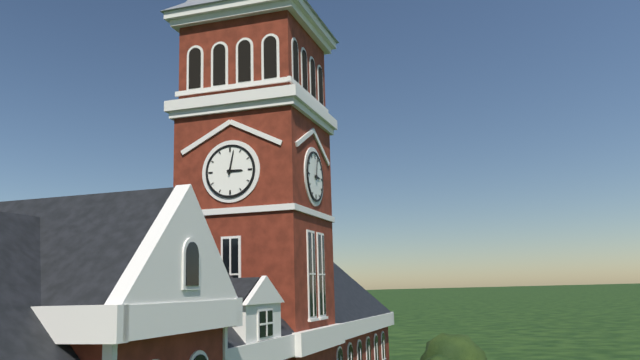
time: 3:02
